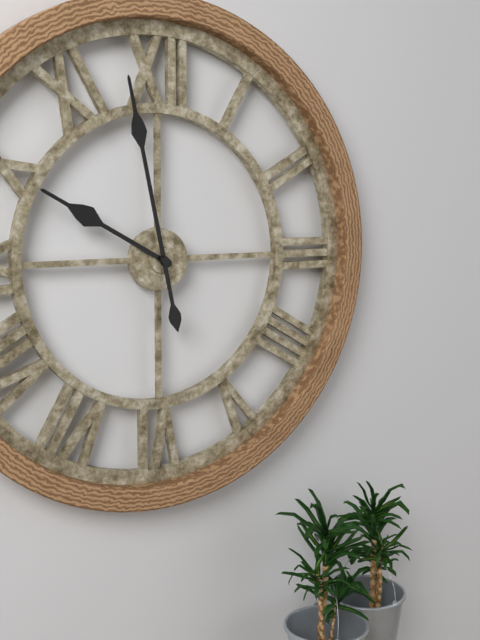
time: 9:58
